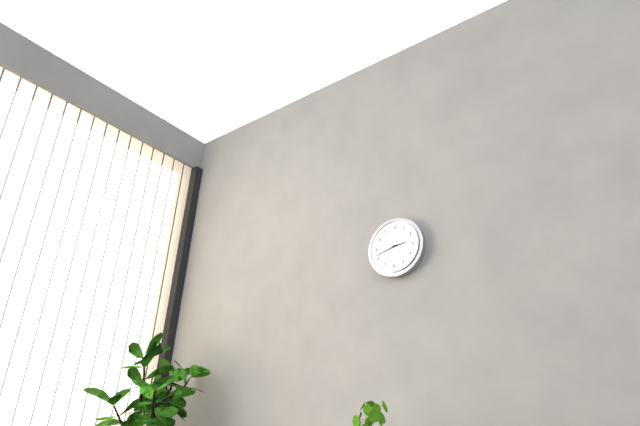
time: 2:42
